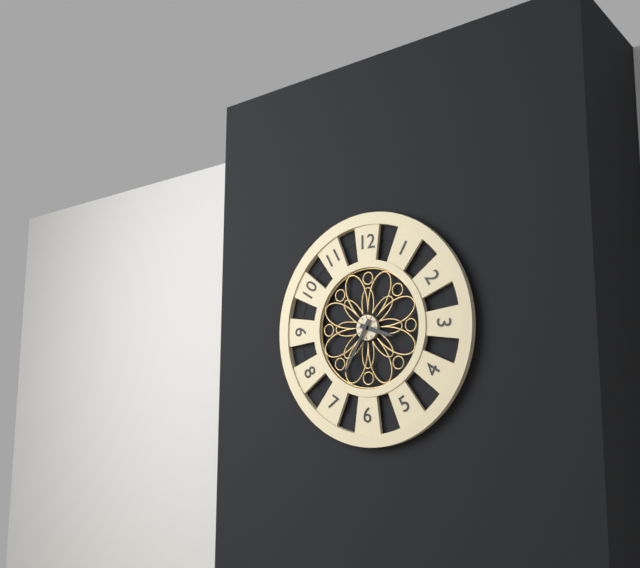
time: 3:35
